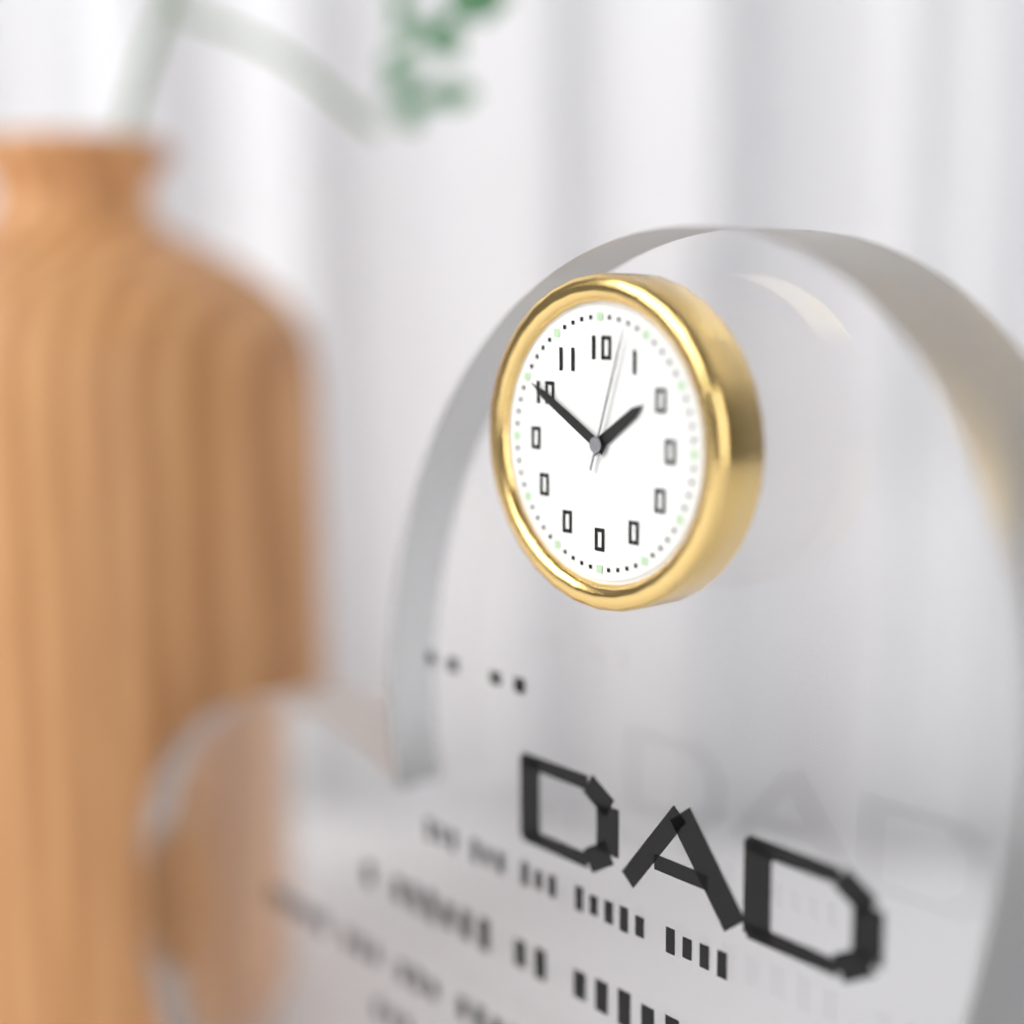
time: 1:50:03
